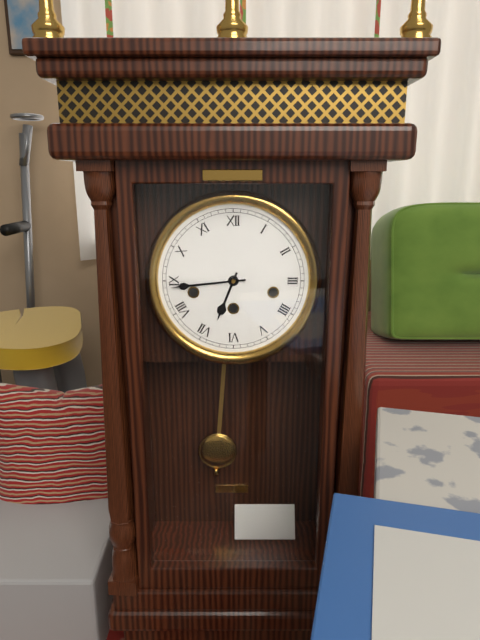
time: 6:44
